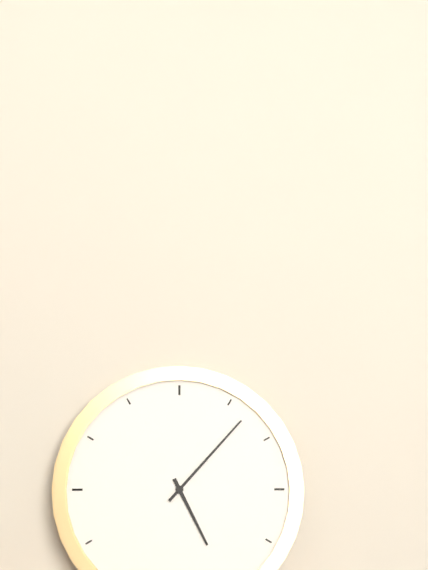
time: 5:07
